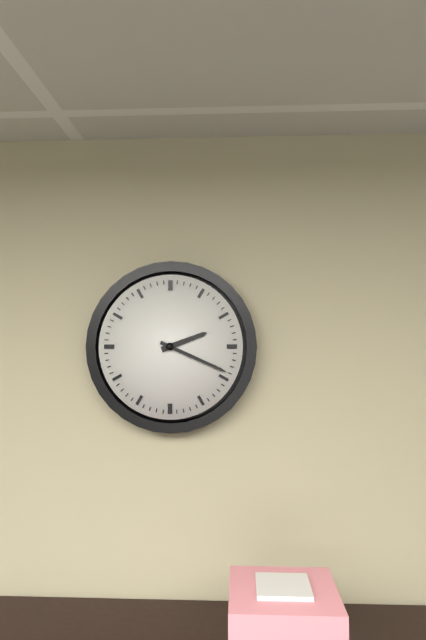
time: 2:19
